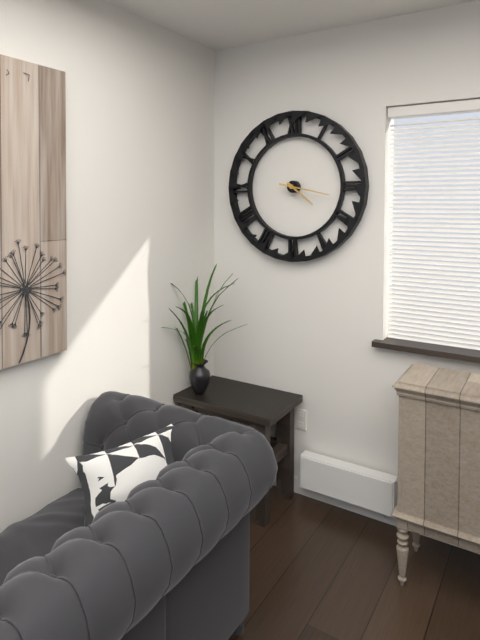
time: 4:17
